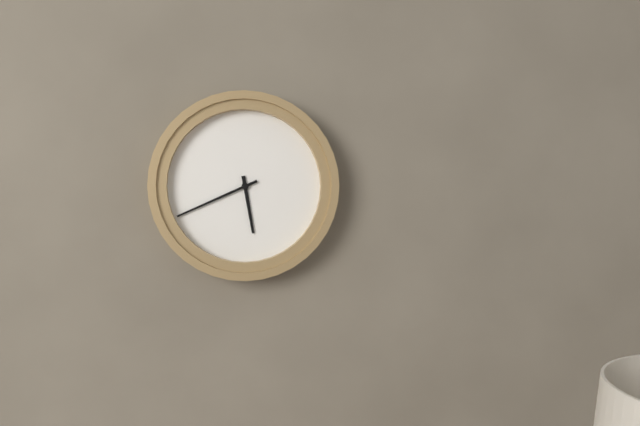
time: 5:41
